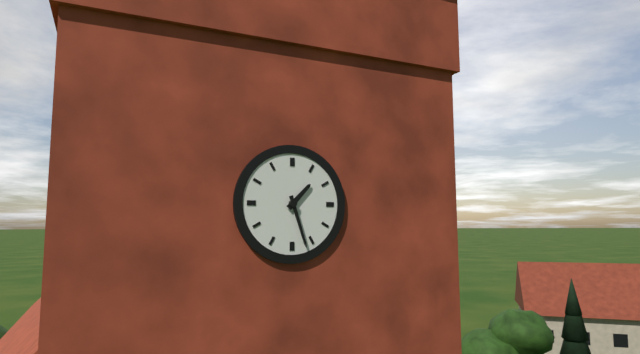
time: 1:27
